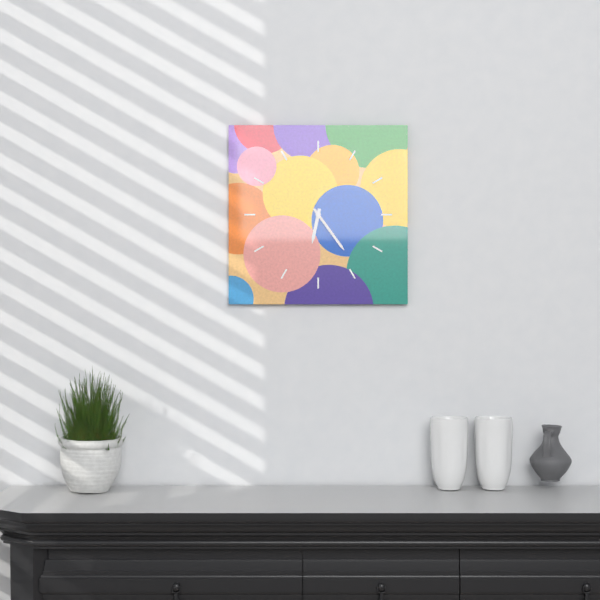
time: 6:24
